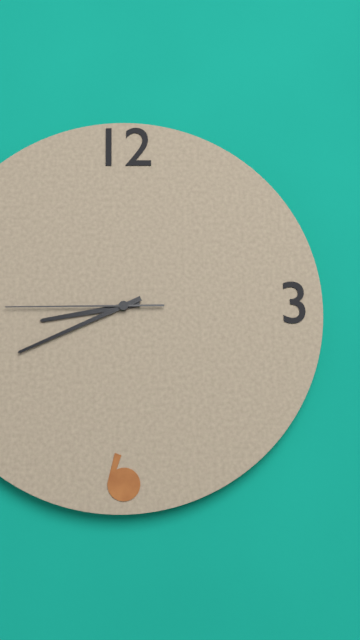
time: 8:41:45
